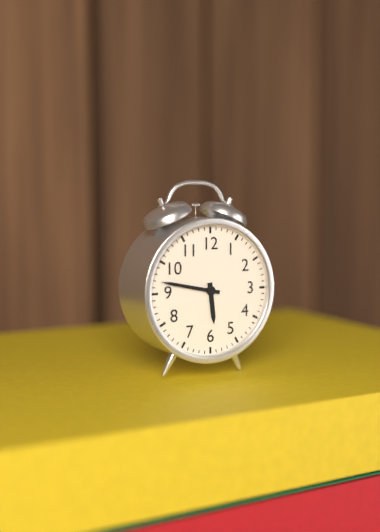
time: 5:47
